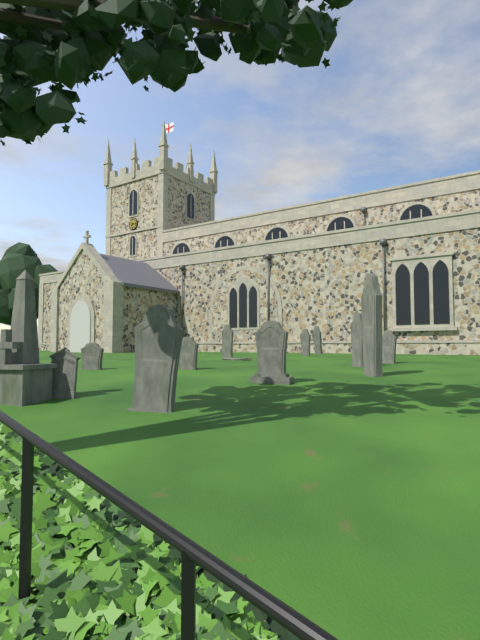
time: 7:16
